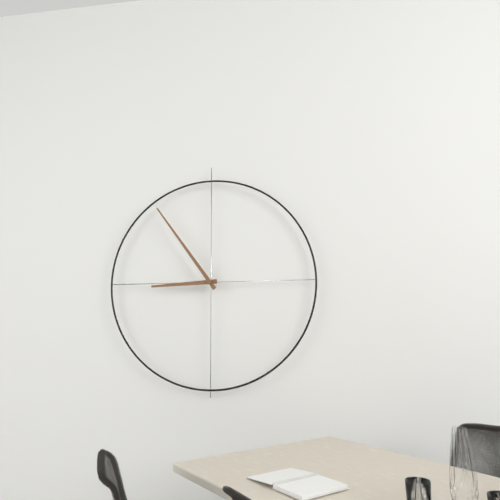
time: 8:54
